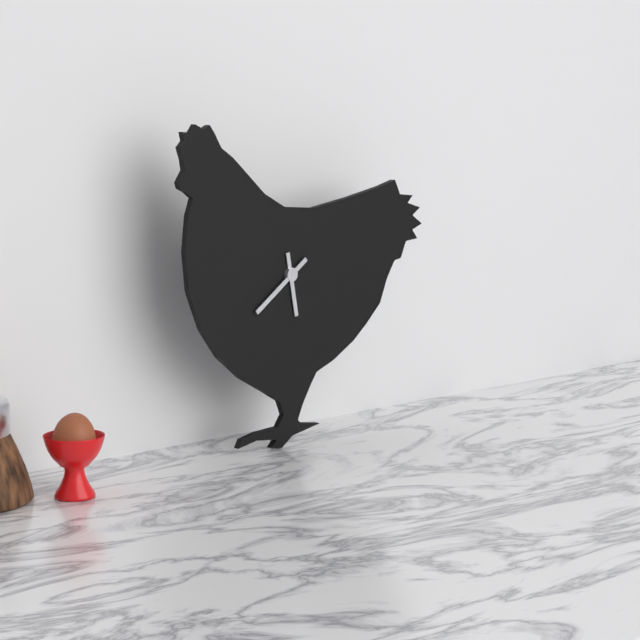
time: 5:39
